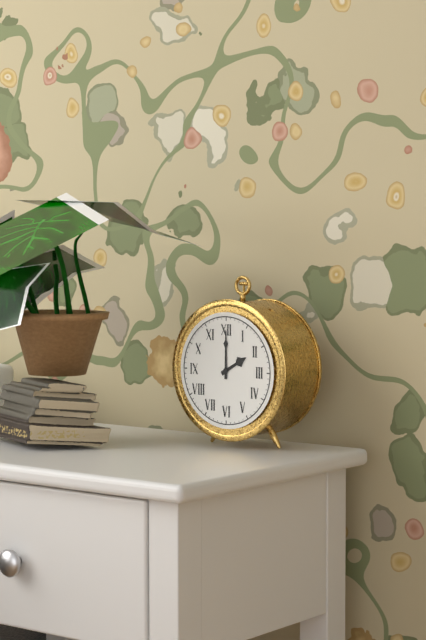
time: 2:00
